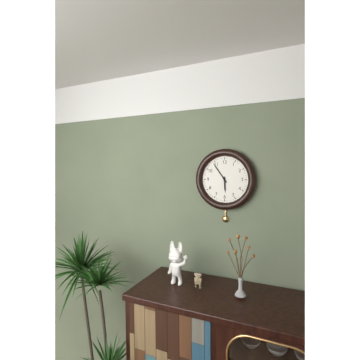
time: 5:54
